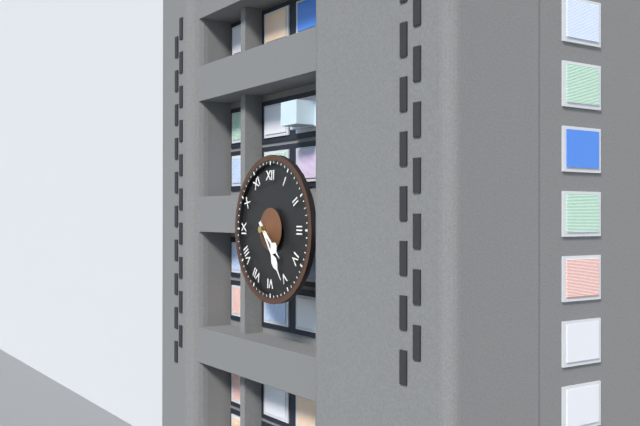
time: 4:24
